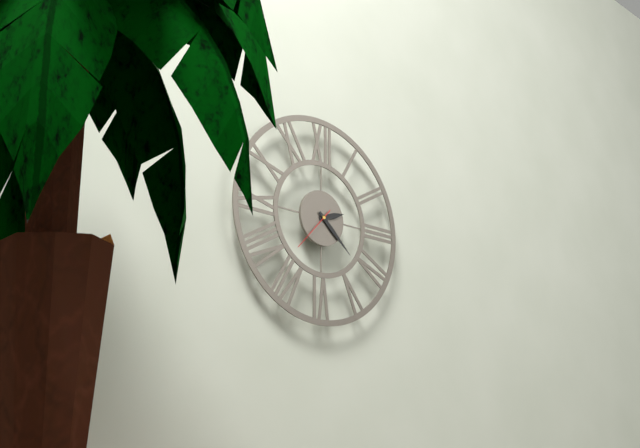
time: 2:22
